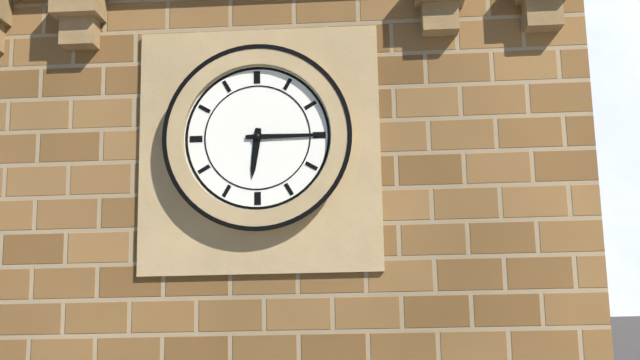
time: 6:15
